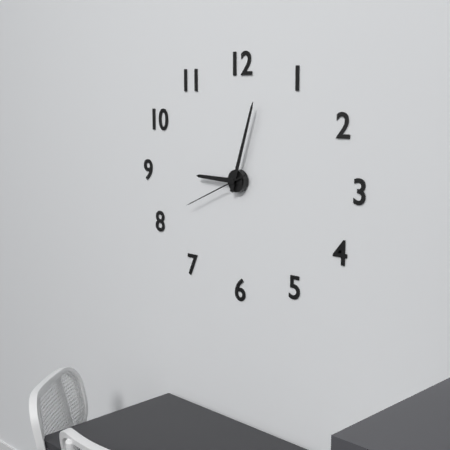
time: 9:03:41
